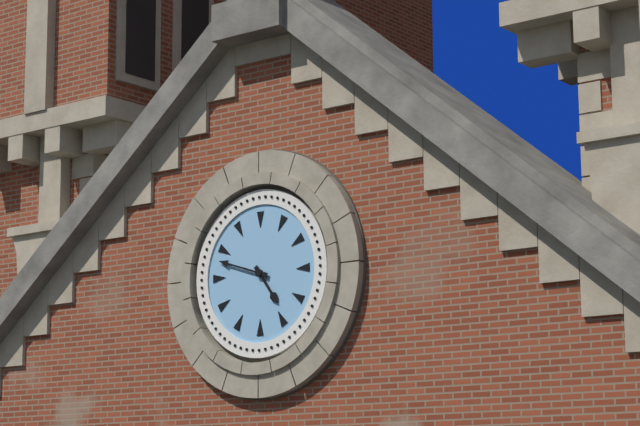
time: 4:48
